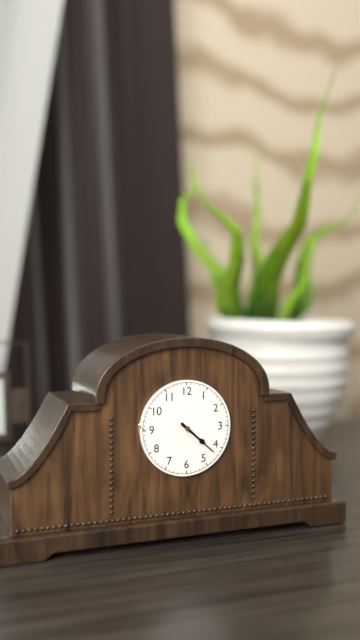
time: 4:22
